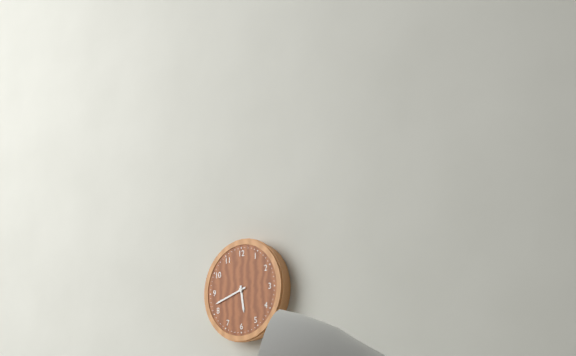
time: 5:42
